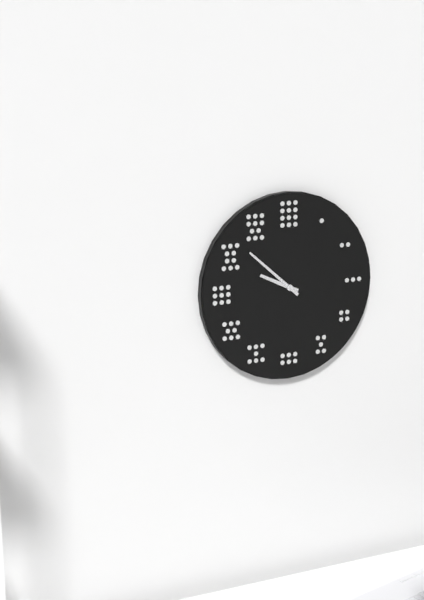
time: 9:52
